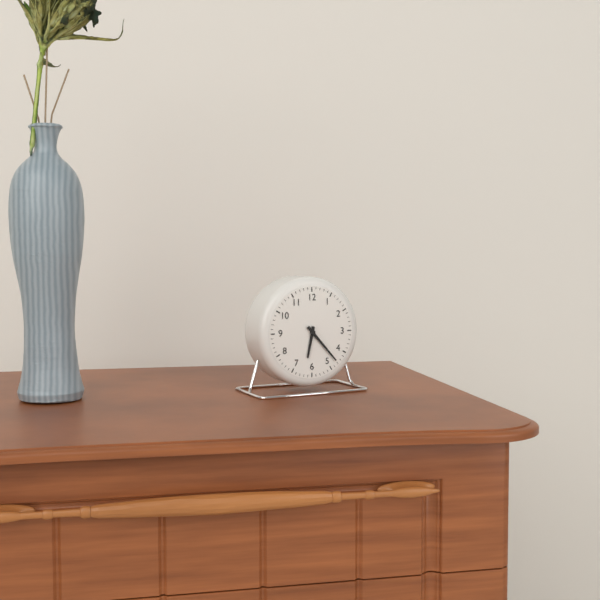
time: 6:23
